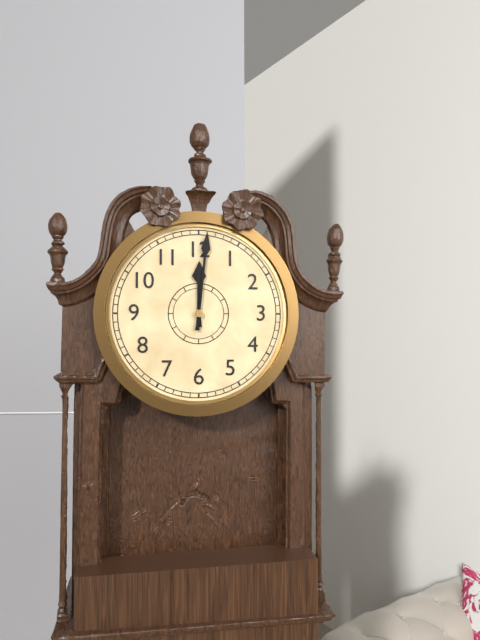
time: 12:01
